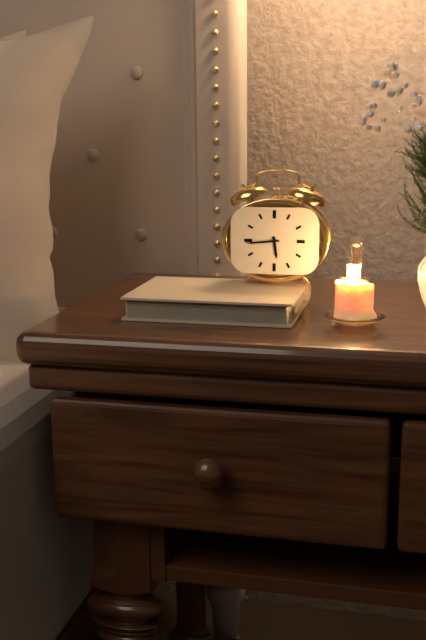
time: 5:44
